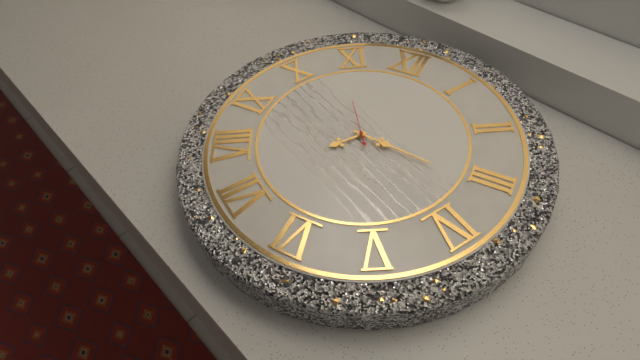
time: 7:16
